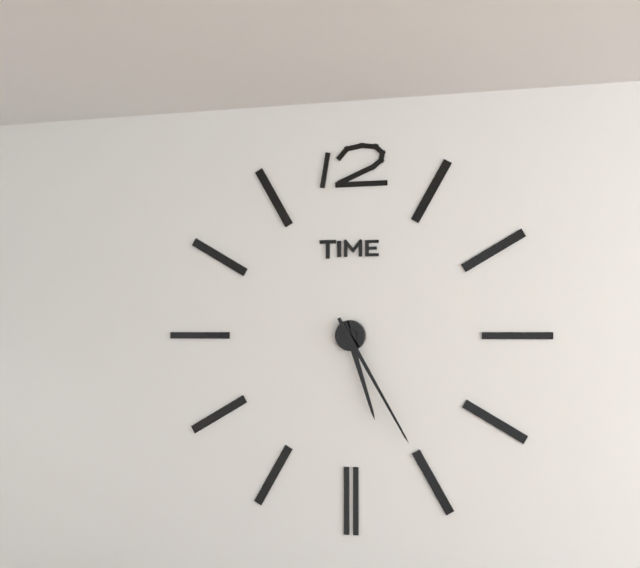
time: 5:25
